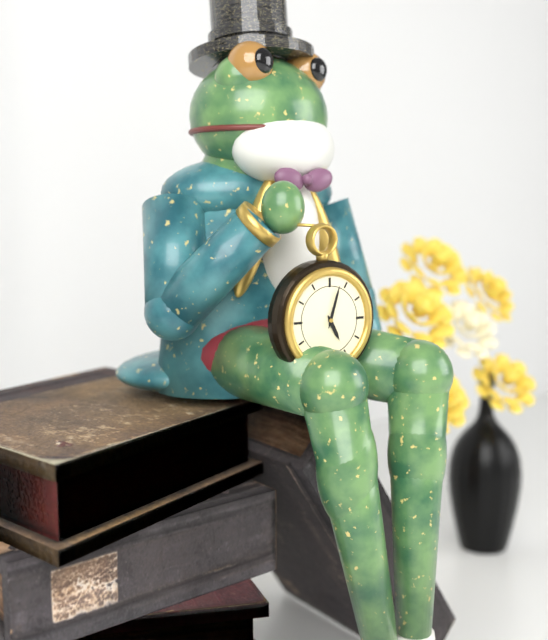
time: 5:03
